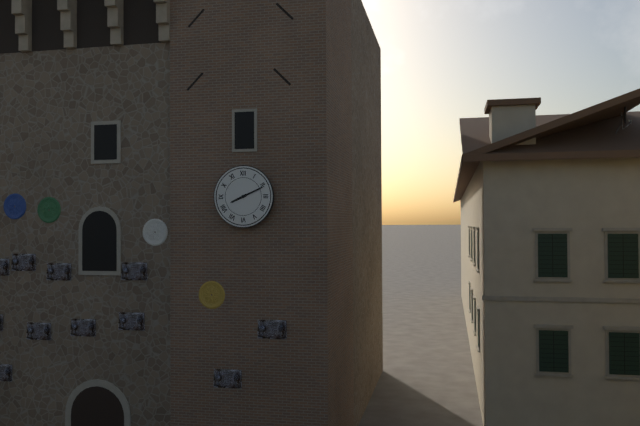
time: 8:11
